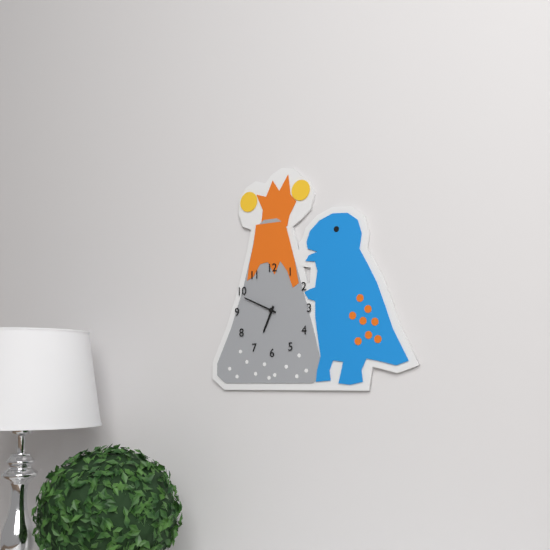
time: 6:49
